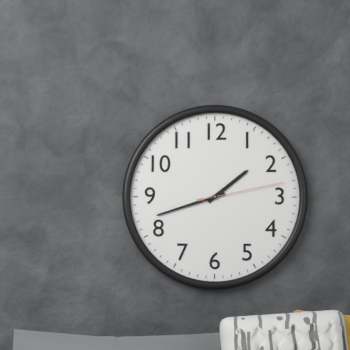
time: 1:42:13
